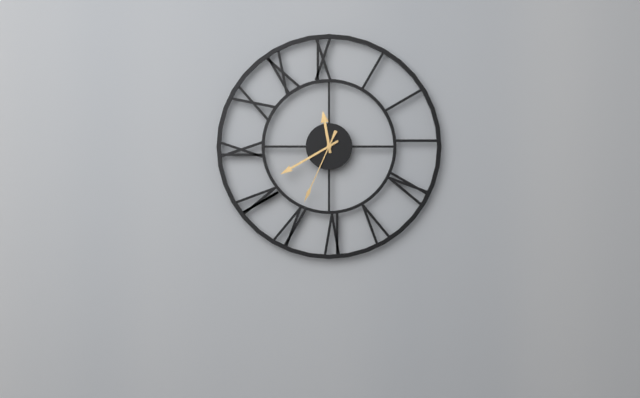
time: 11:40:34
